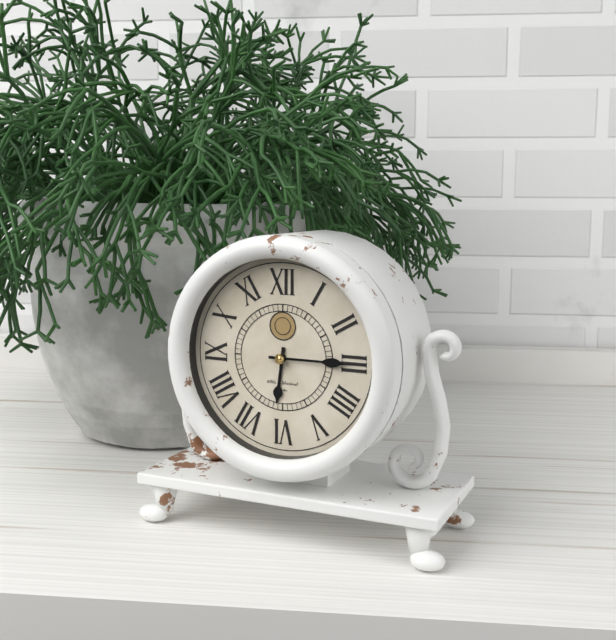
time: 6:15
